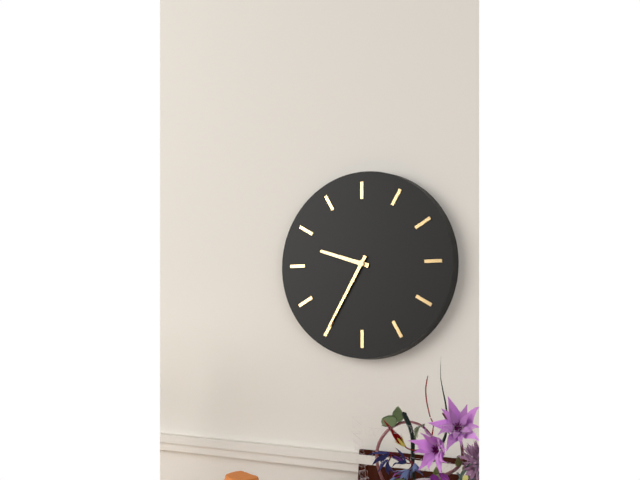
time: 9:35
